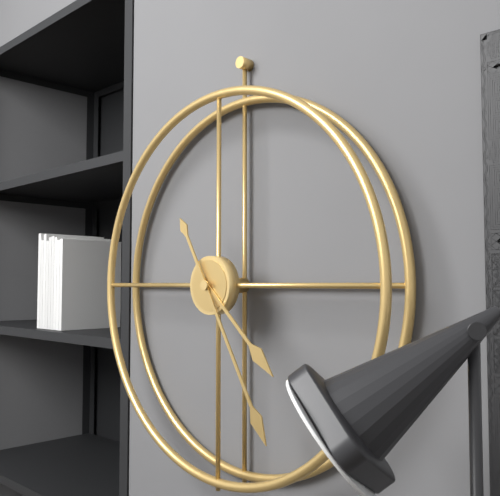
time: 4:25
